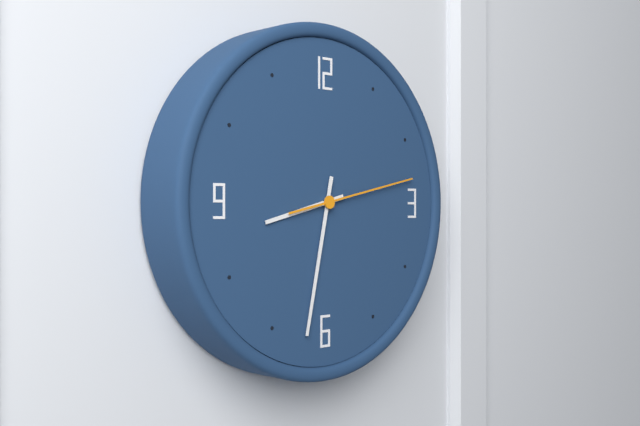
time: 8:32:13
